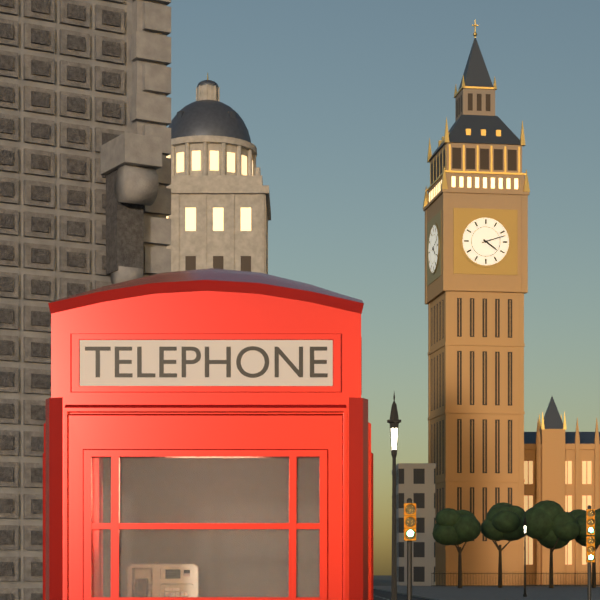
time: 4:12
